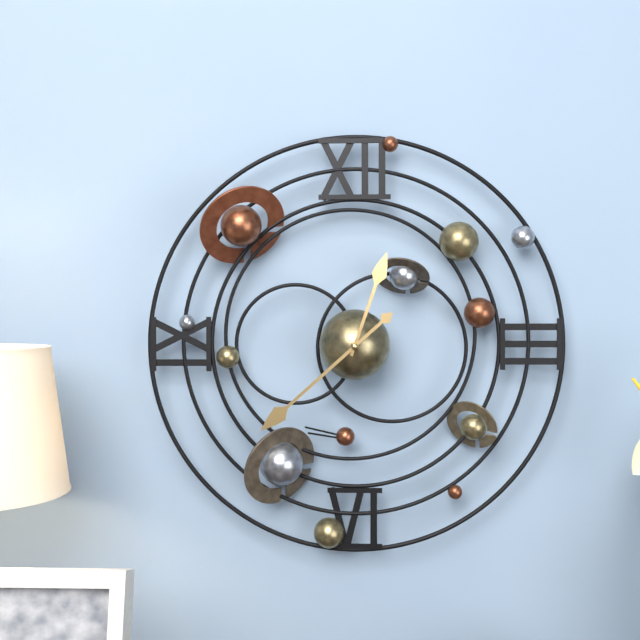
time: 12:38
